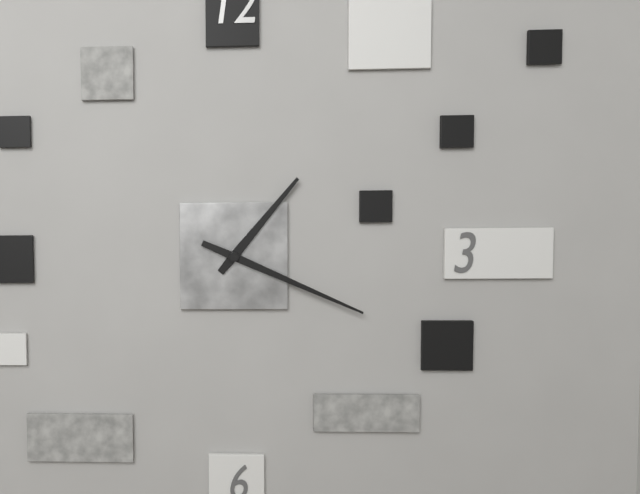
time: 1:19
